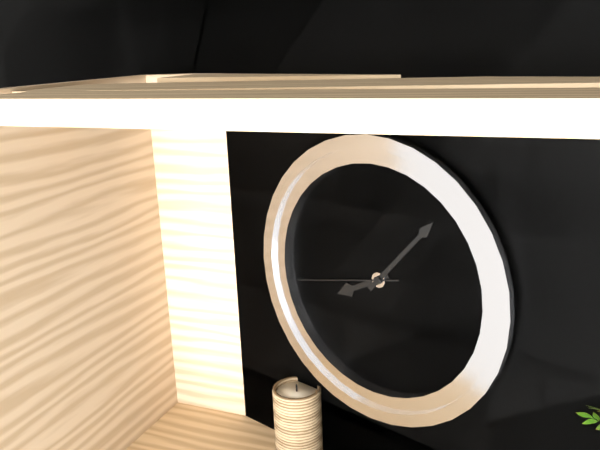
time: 8:07:43
